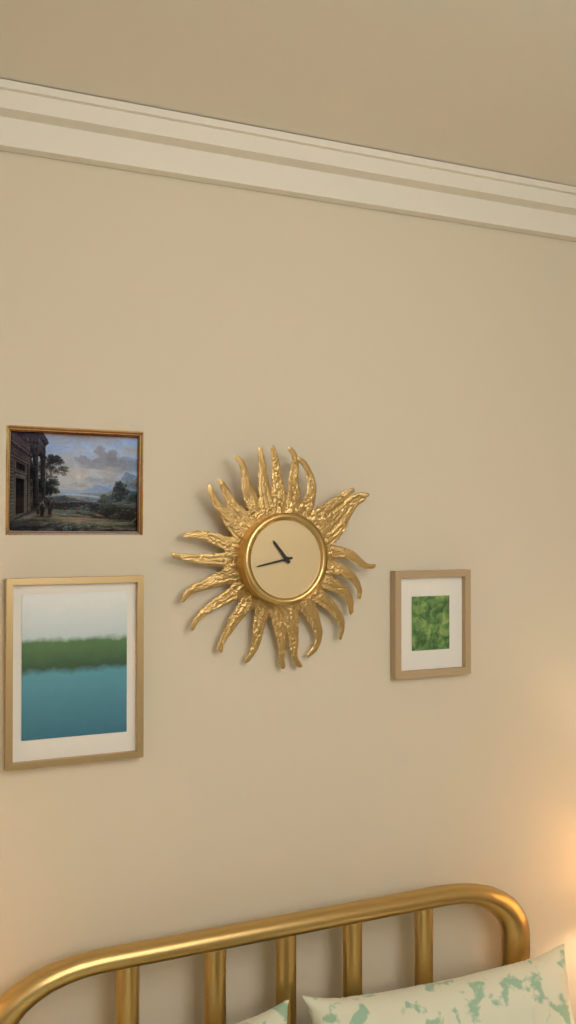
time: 10:43
